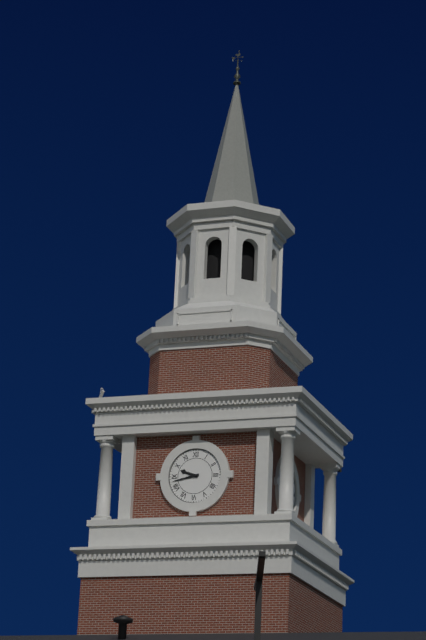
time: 9:43
